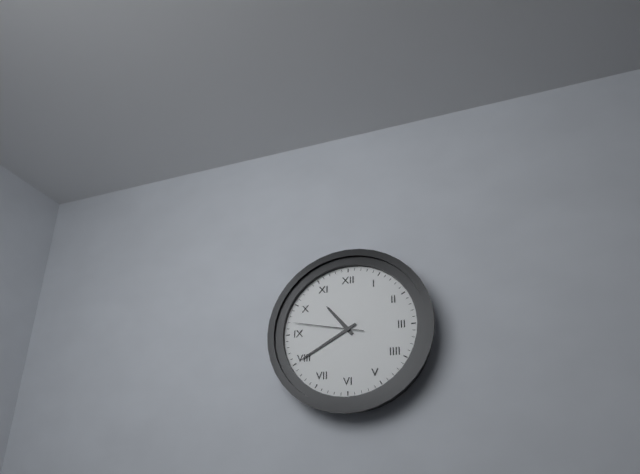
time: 10:40:47
